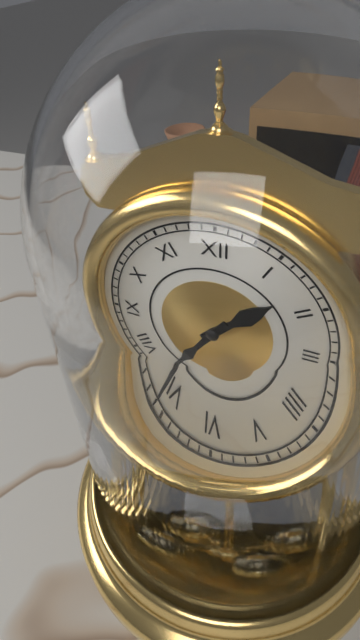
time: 1:36
